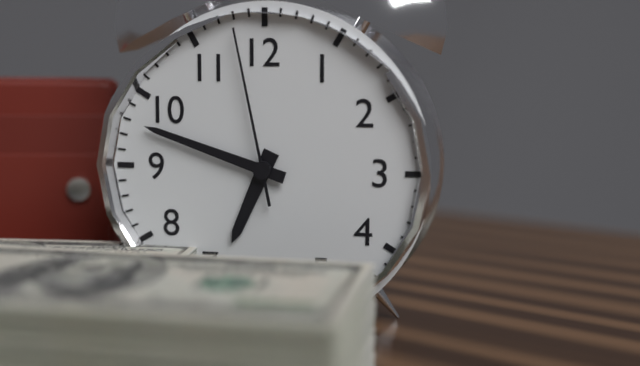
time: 6:48:58
